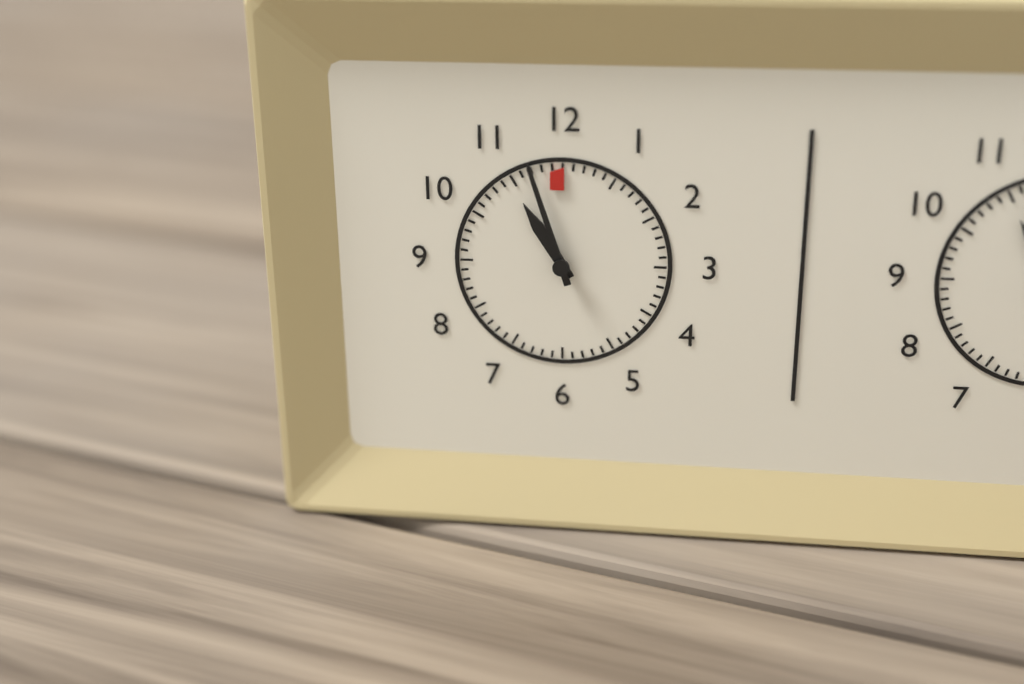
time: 10:57
